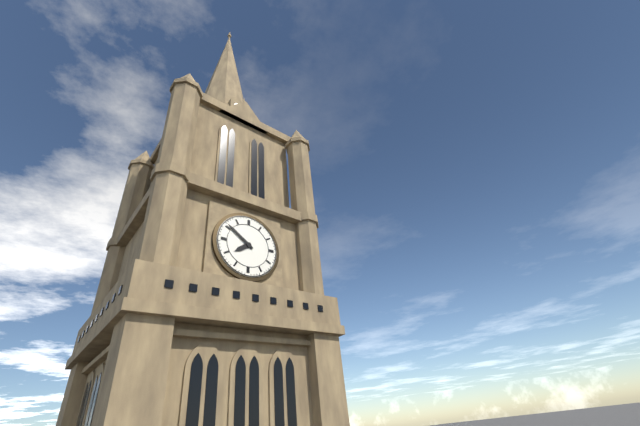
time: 7:51
